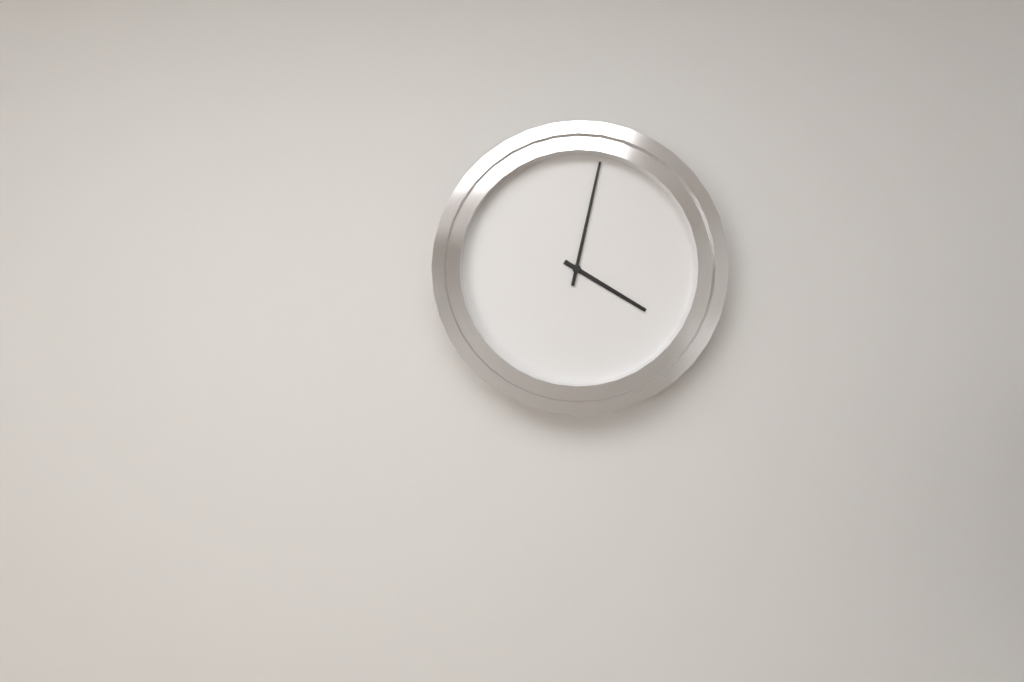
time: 4:02
